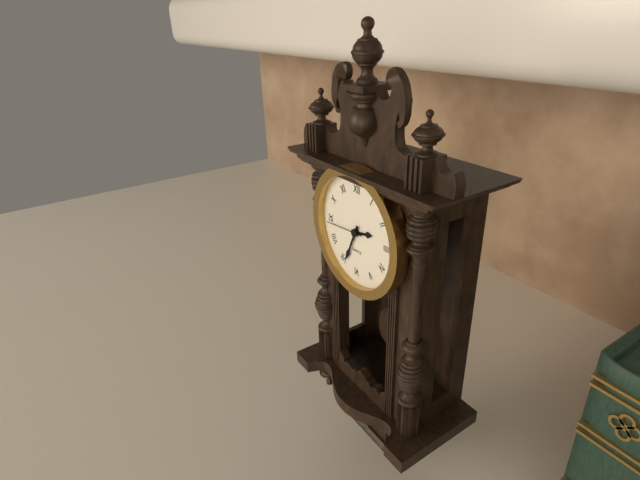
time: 2:34
